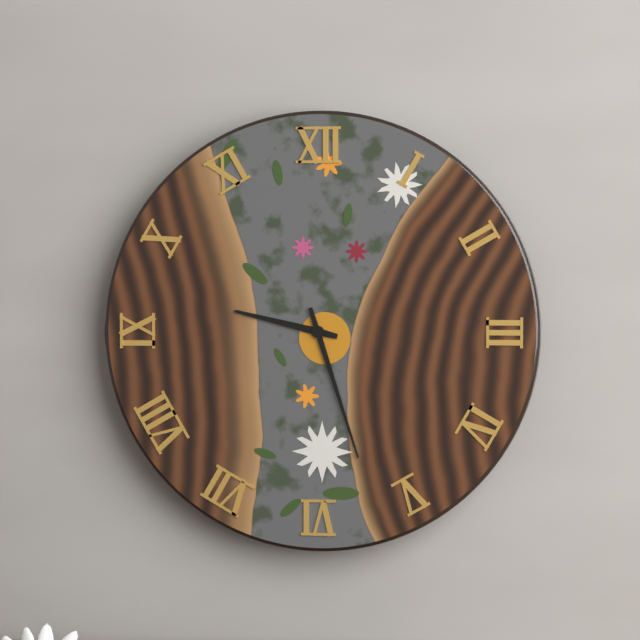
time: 9:27
